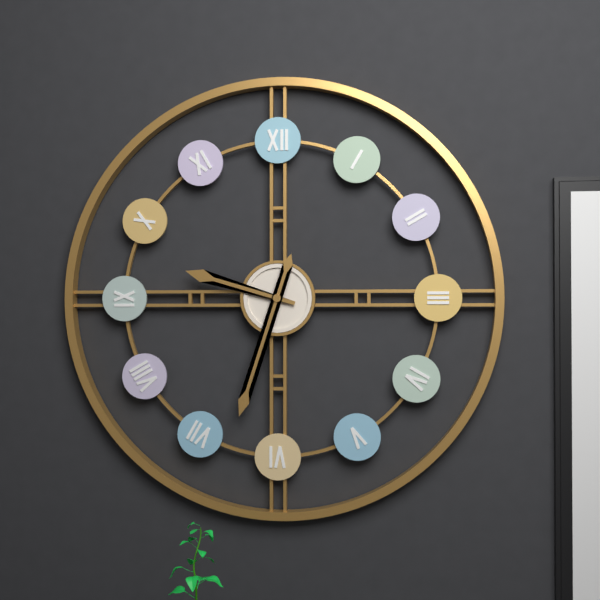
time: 9:33
